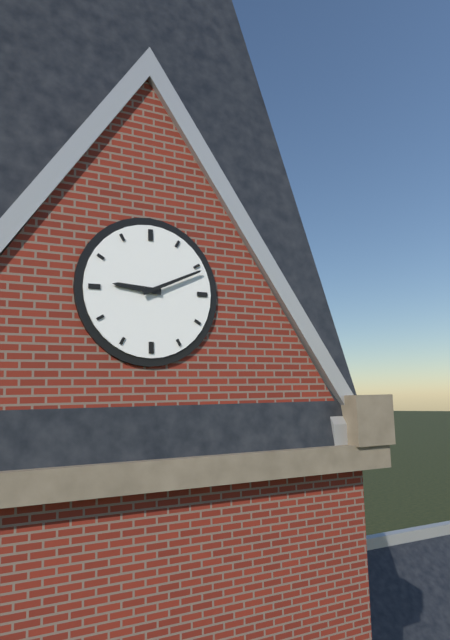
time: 9:11
